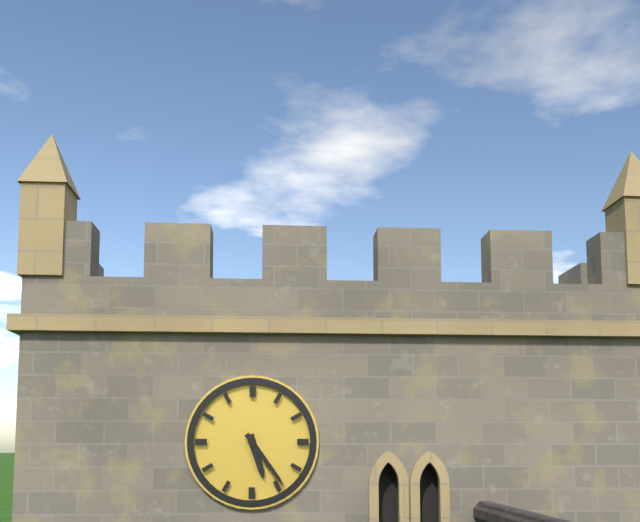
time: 5:24
